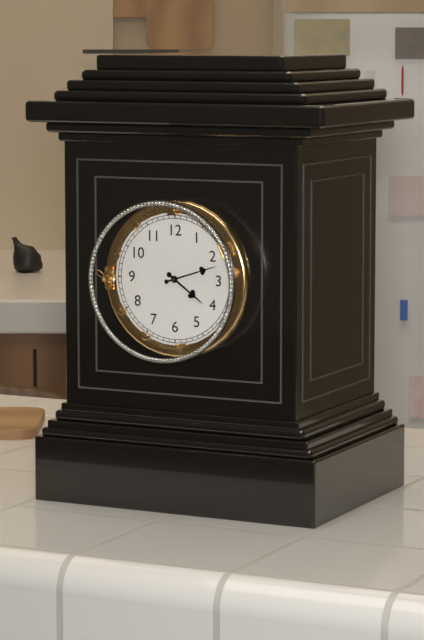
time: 4:12
